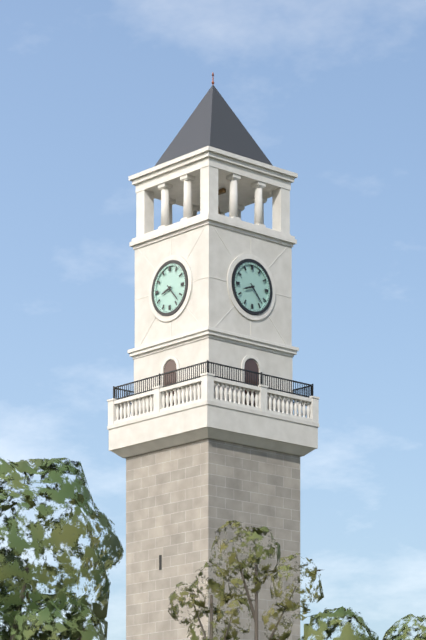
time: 8:23
